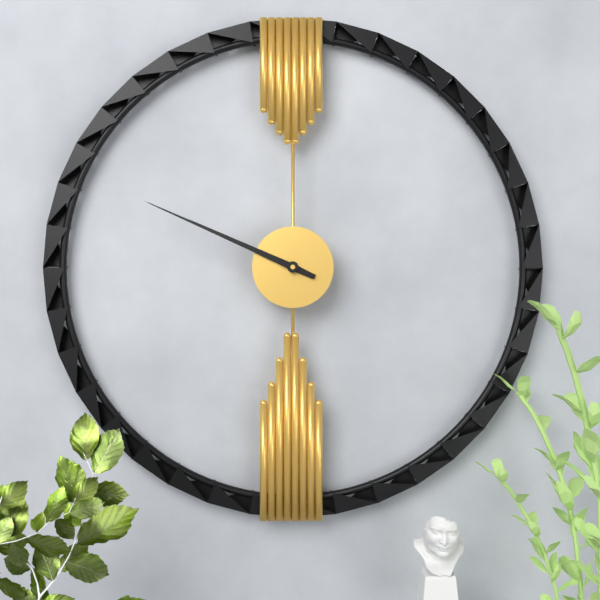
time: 9:49
